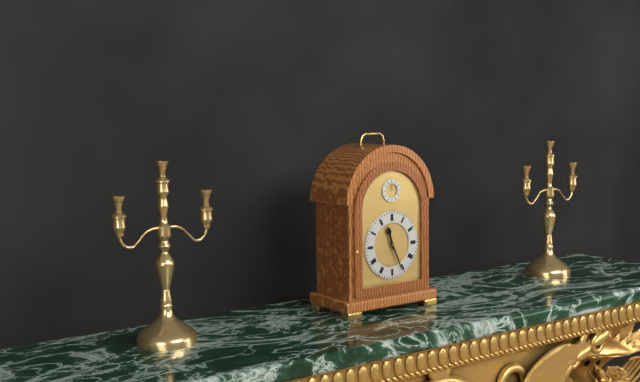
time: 11:26
